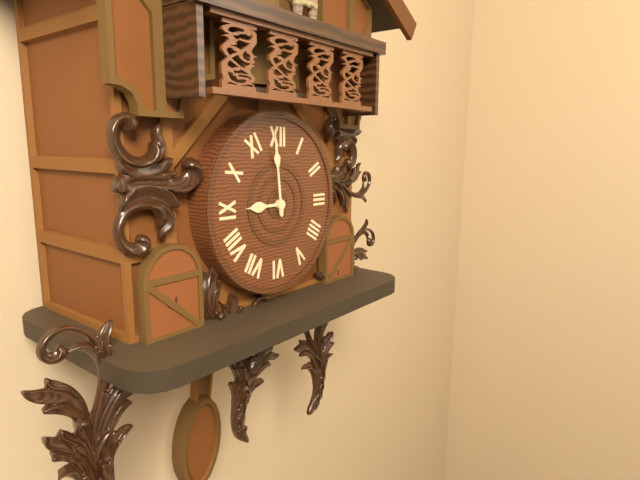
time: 8:59
